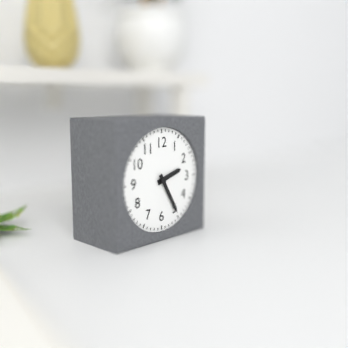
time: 2:25
